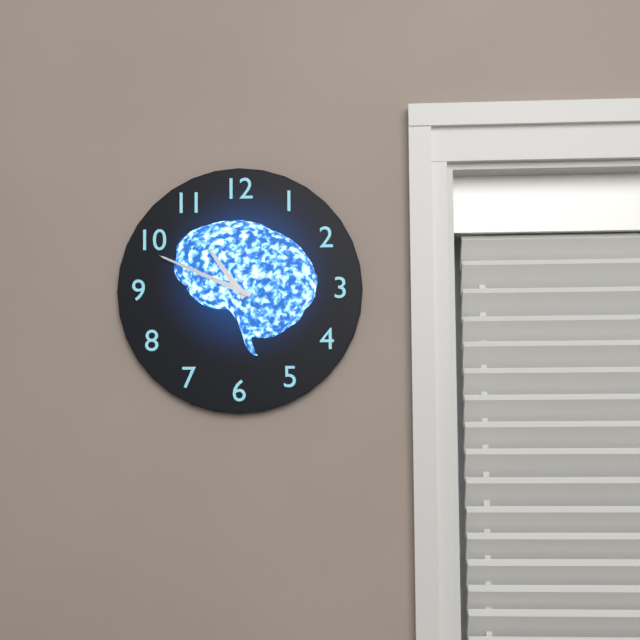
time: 10:49
